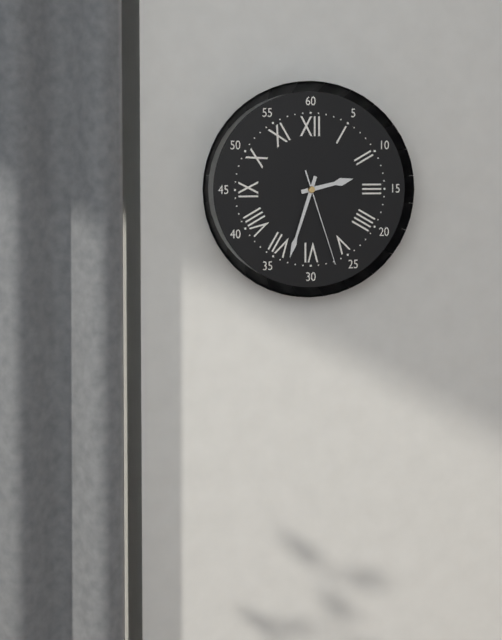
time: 2:33:27
